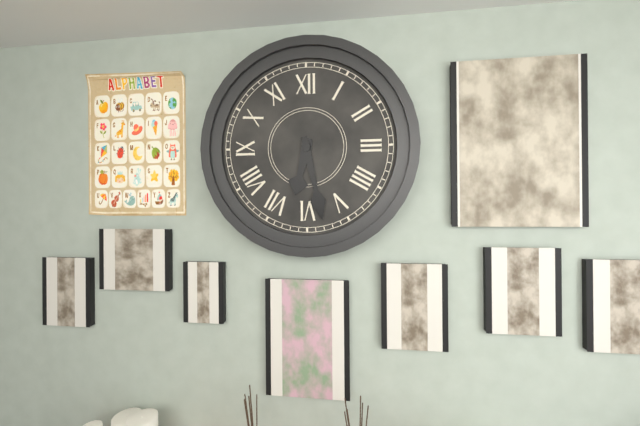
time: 6:28
